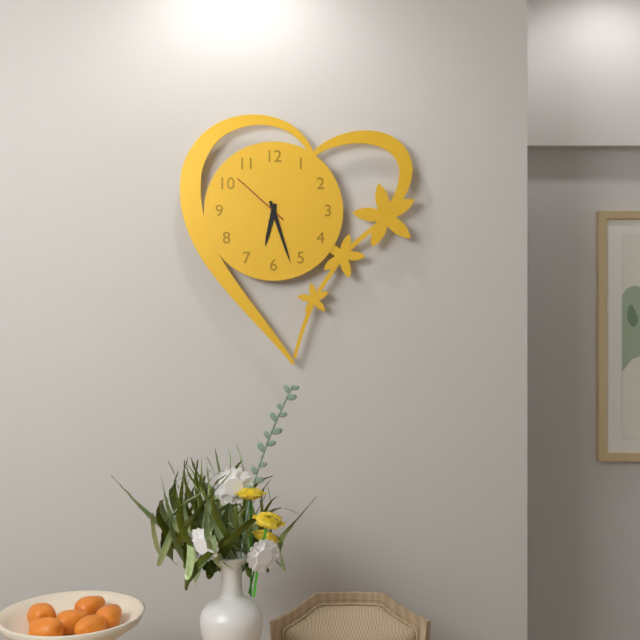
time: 6:27:52
